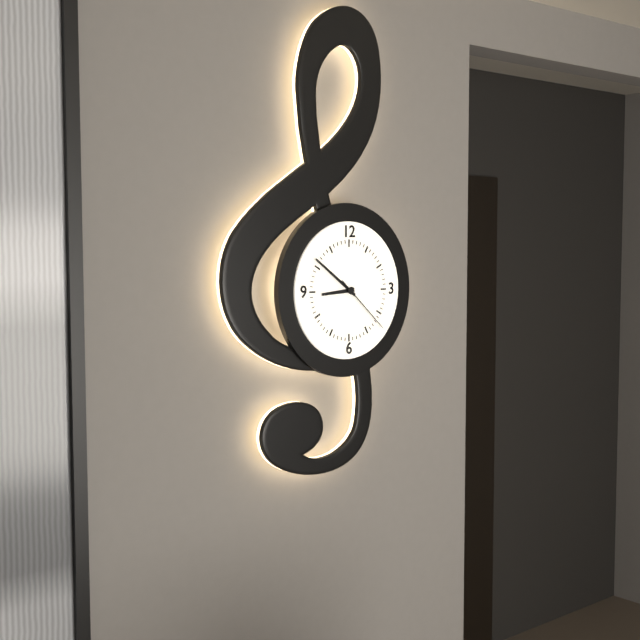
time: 8:51:22
